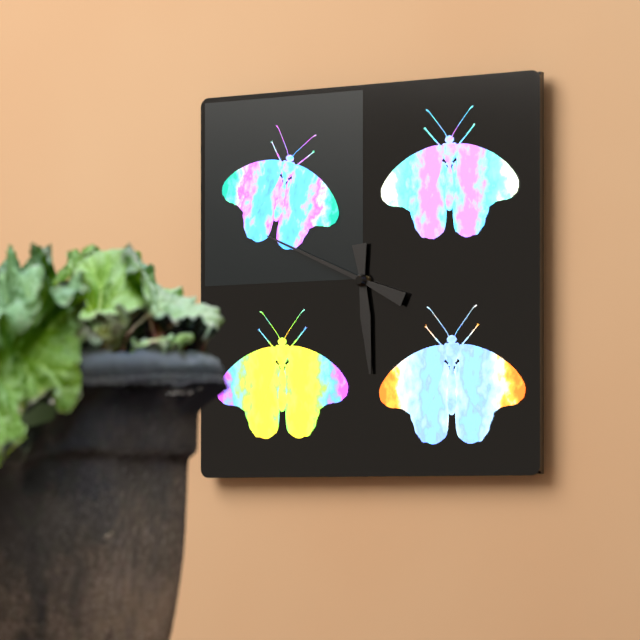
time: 5:49
